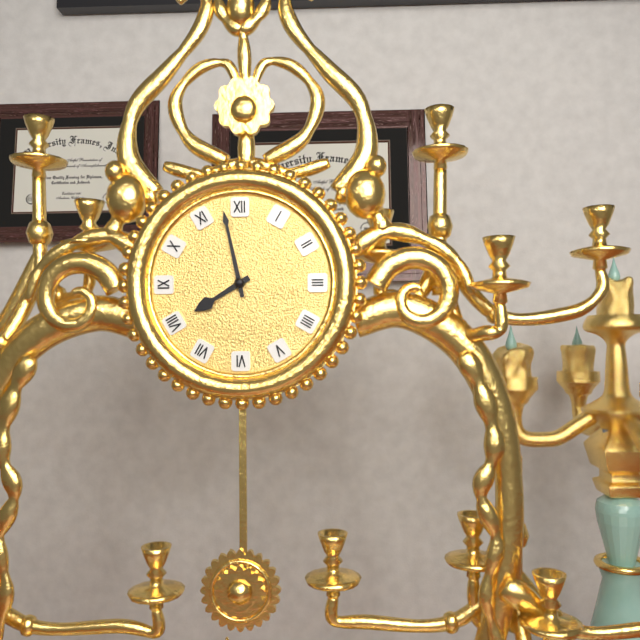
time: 7:58
